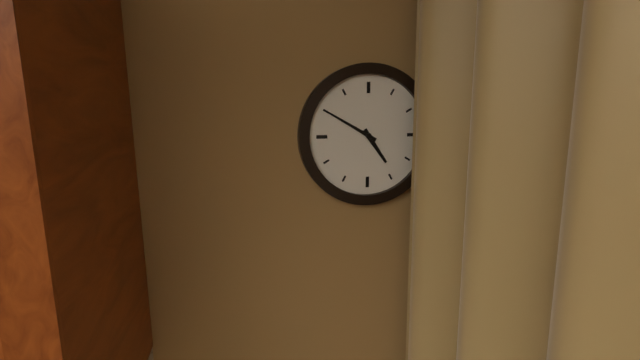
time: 4:50
